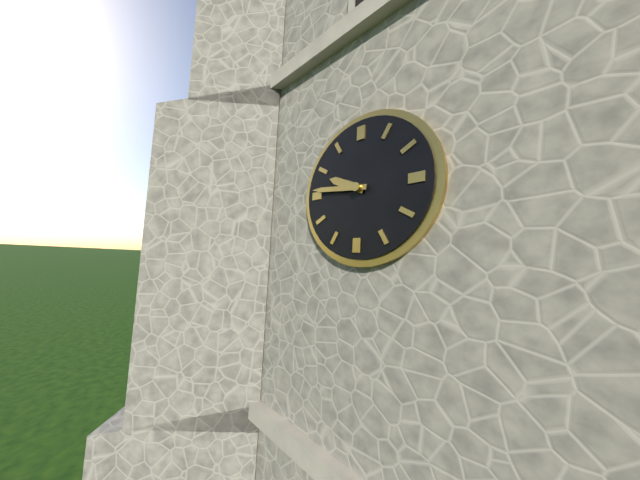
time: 9:46
